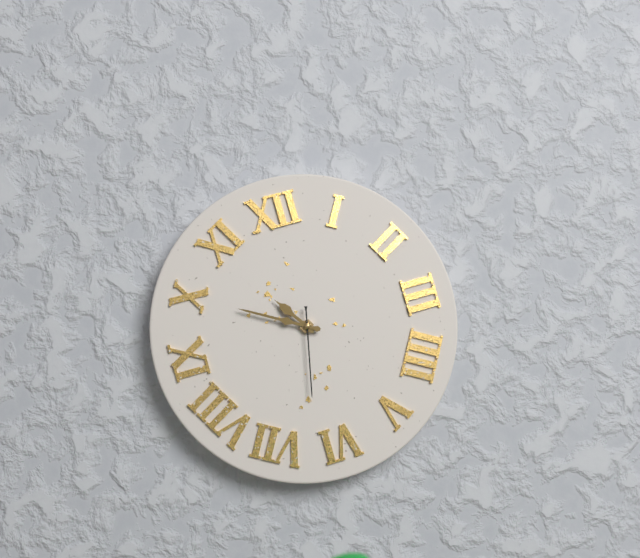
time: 10:50:32
